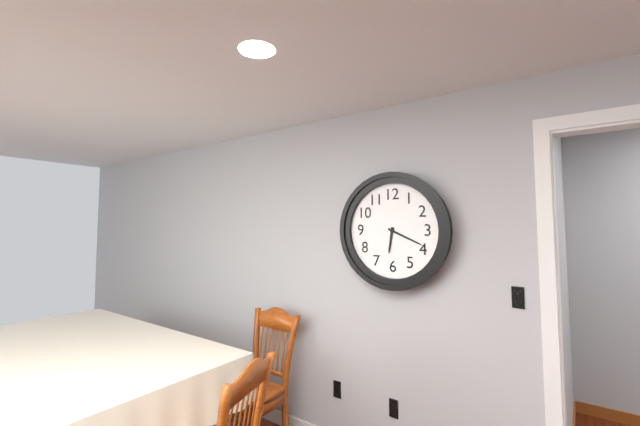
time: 6:19
